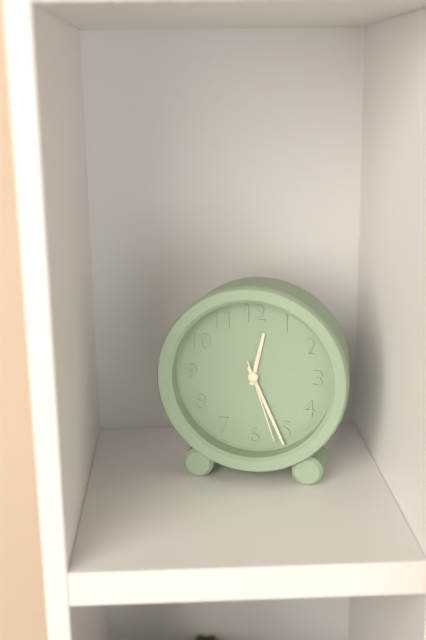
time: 12:26:27
